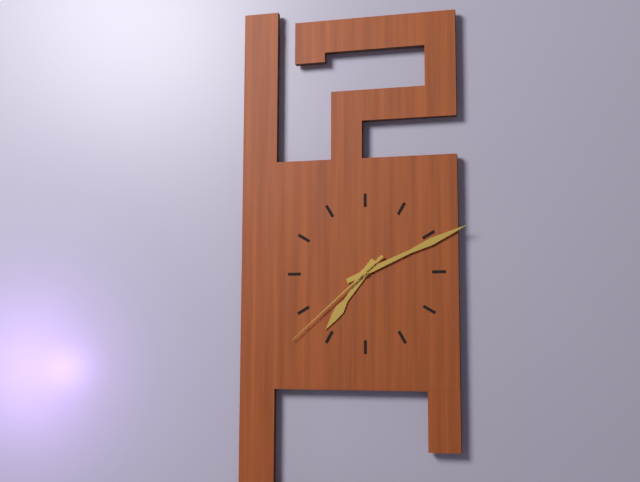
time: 7:11:38
